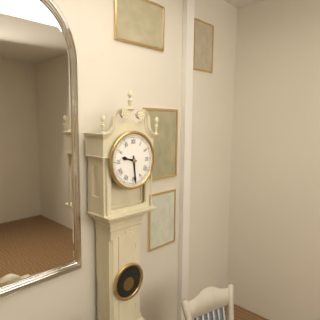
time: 9:29
